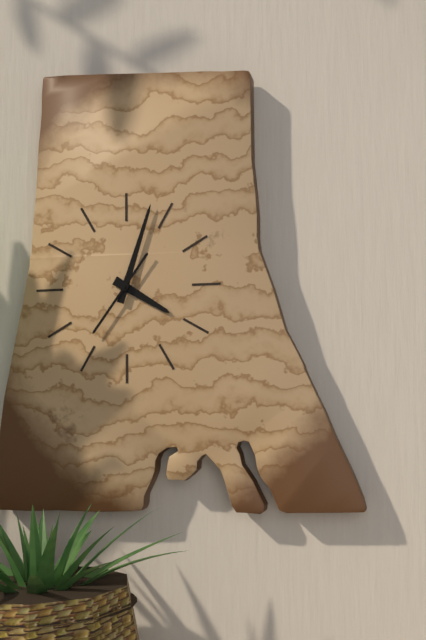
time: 4:03:36
